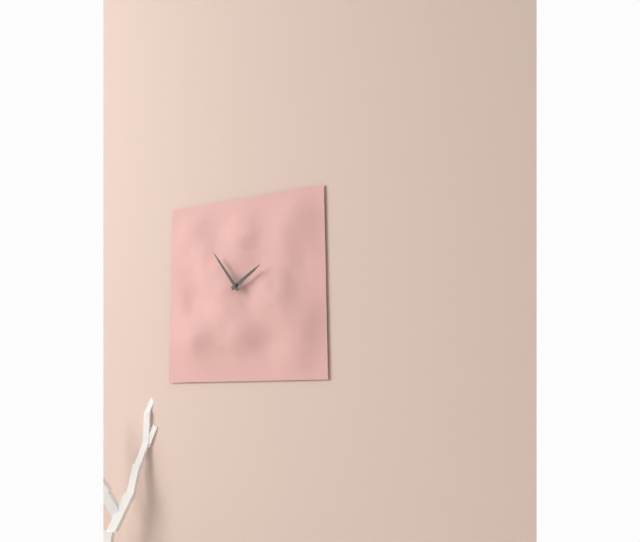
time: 1:54
